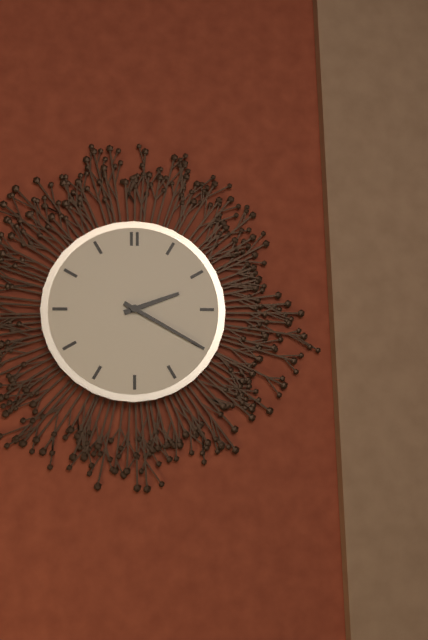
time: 2:20
